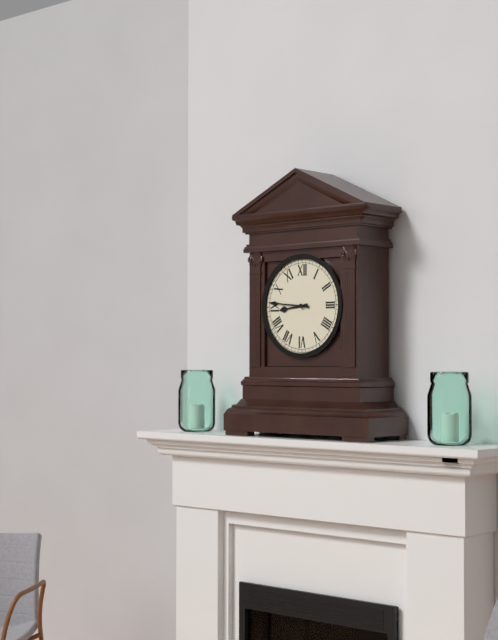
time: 8:46
